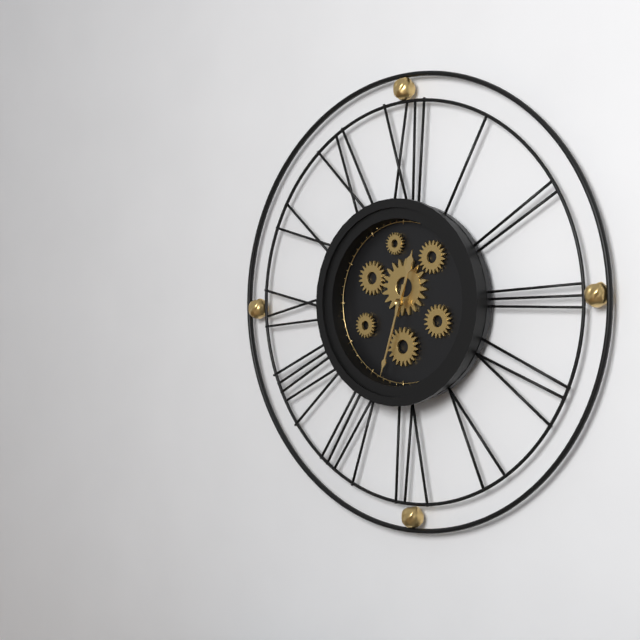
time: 12:33
